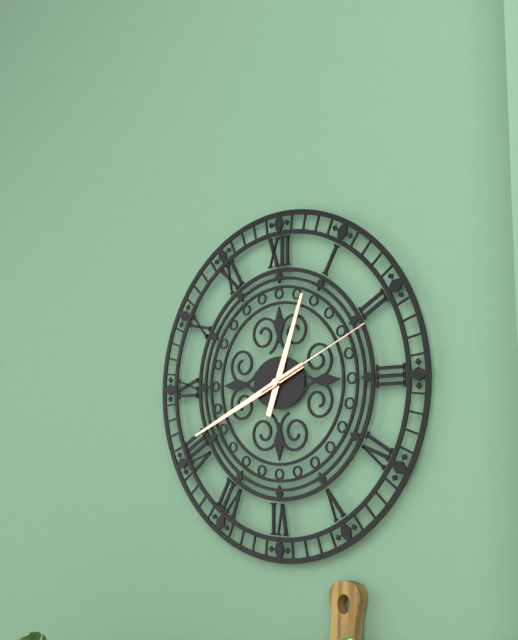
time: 12:41:11
